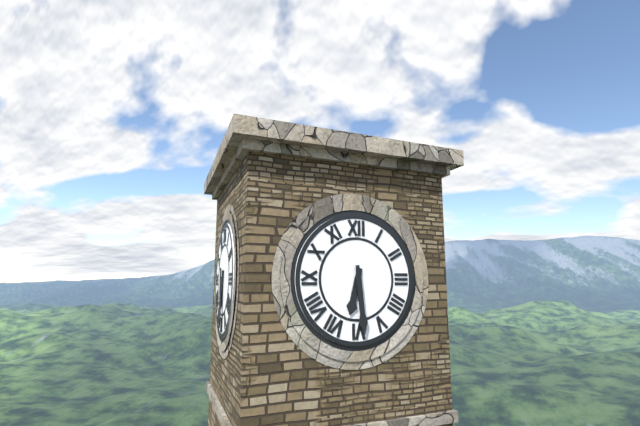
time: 6:29
